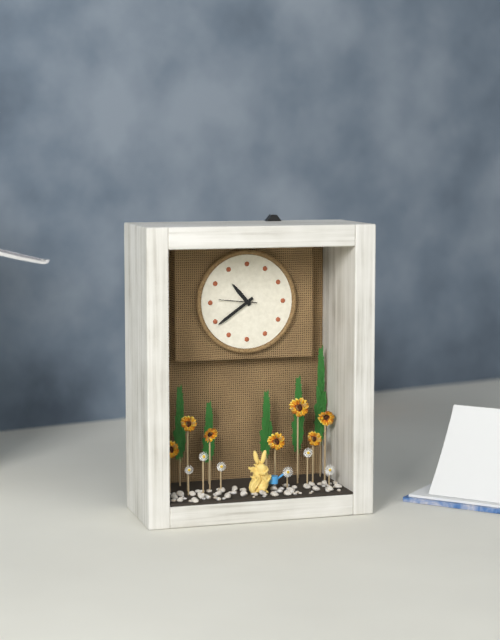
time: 10:39
